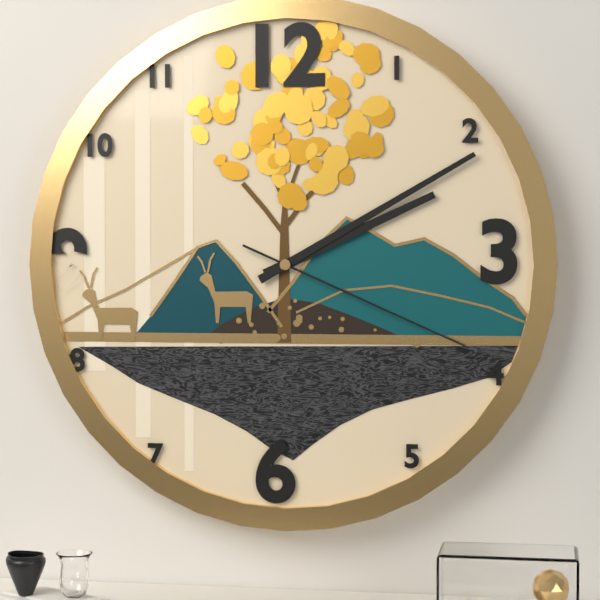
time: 2:10:19
